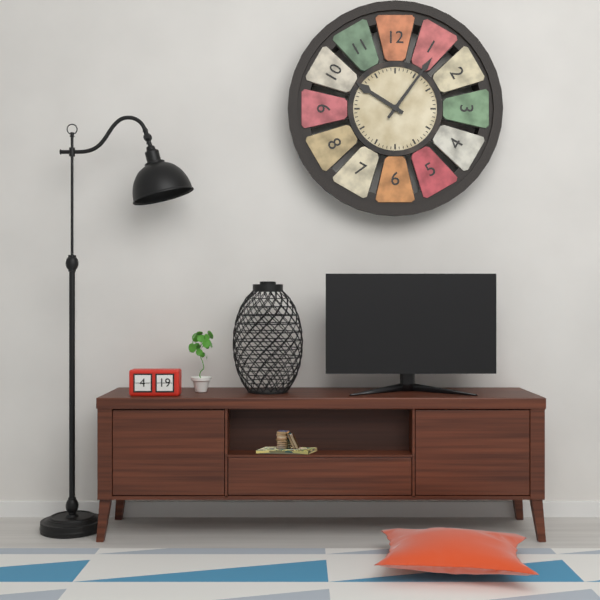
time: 10:06
